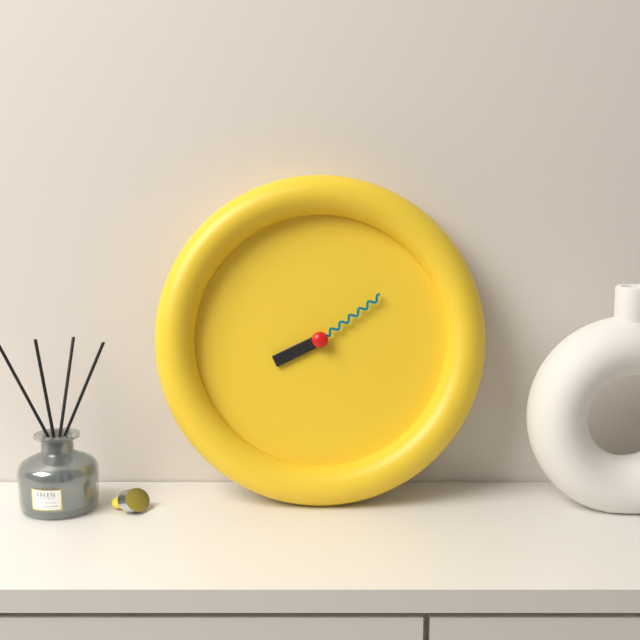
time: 8:09
